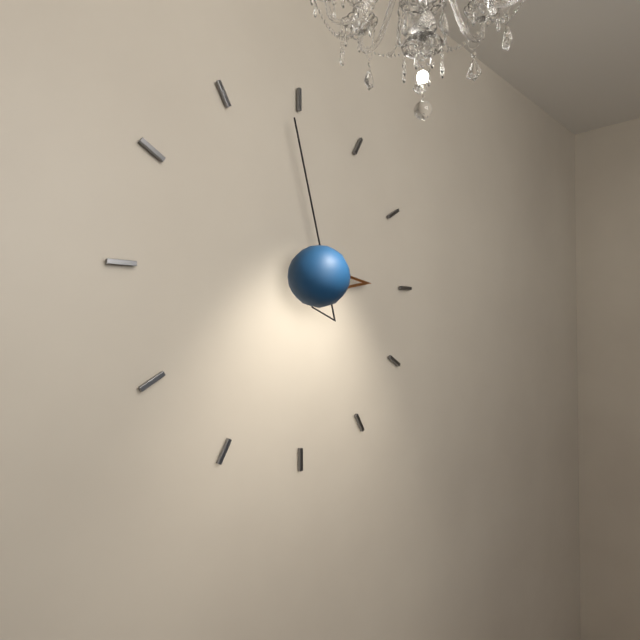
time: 2:59
